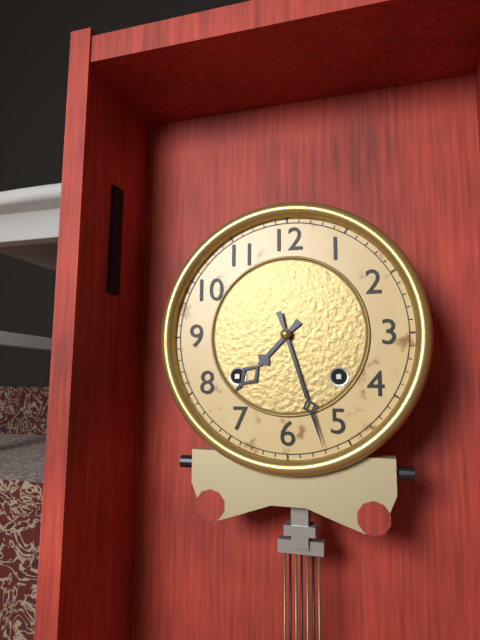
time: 7:27
